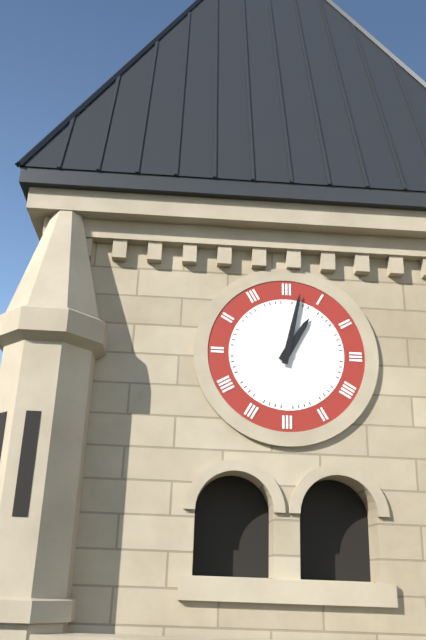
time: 1:02
